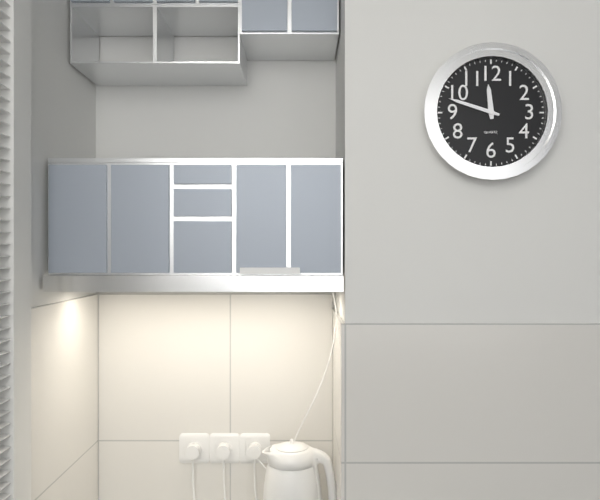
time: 11:48
